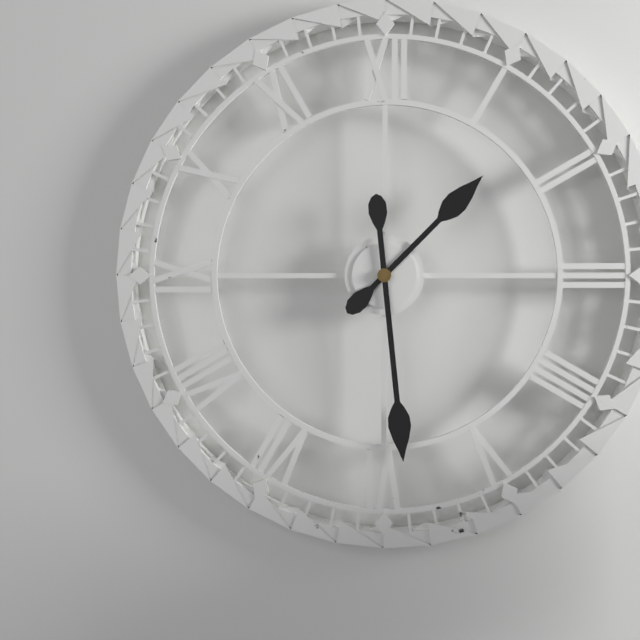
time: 1:29
